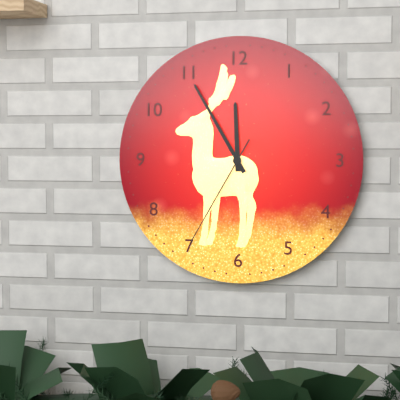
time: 11:55:35
